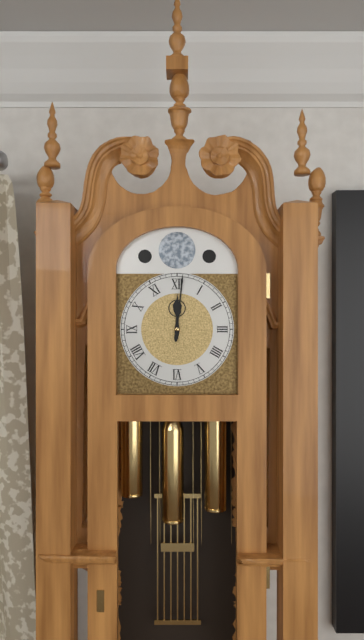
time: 12:01
